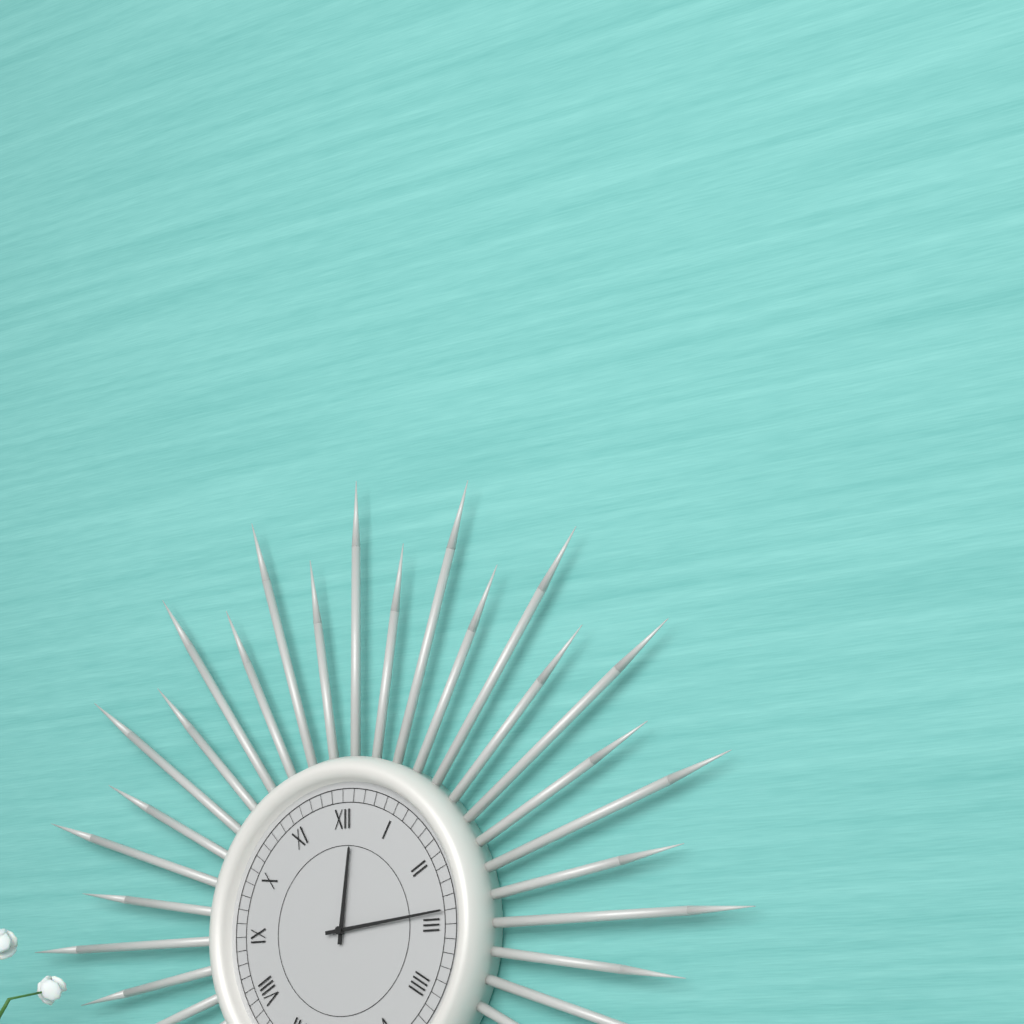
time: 12:14
